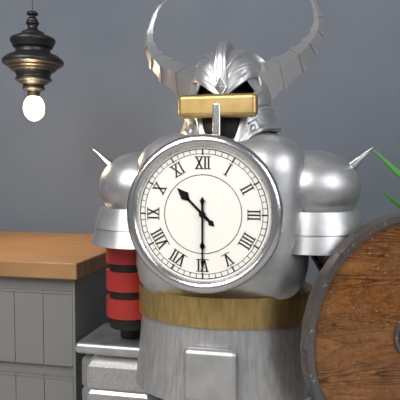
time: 10:30
